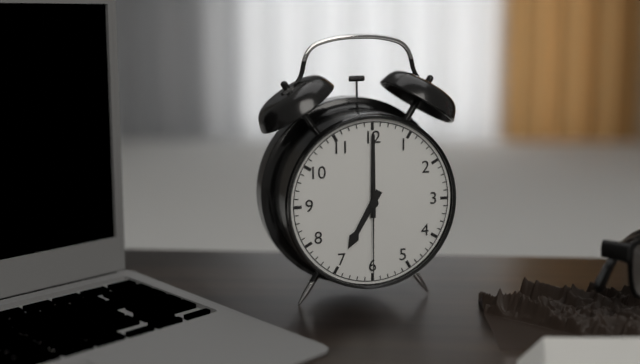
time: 7:00:30
